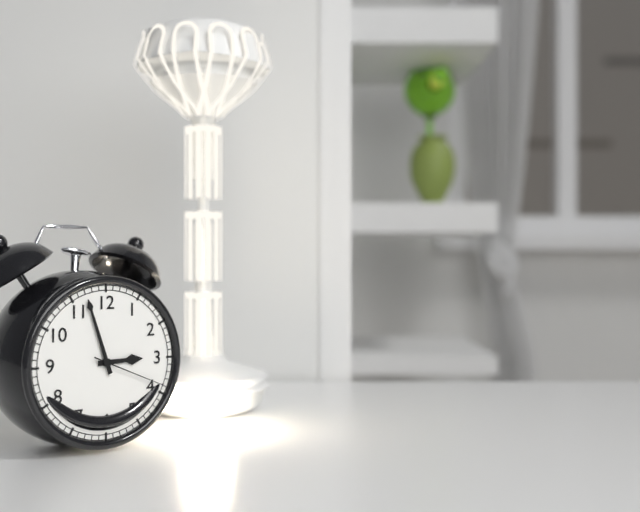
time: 2:57:19
